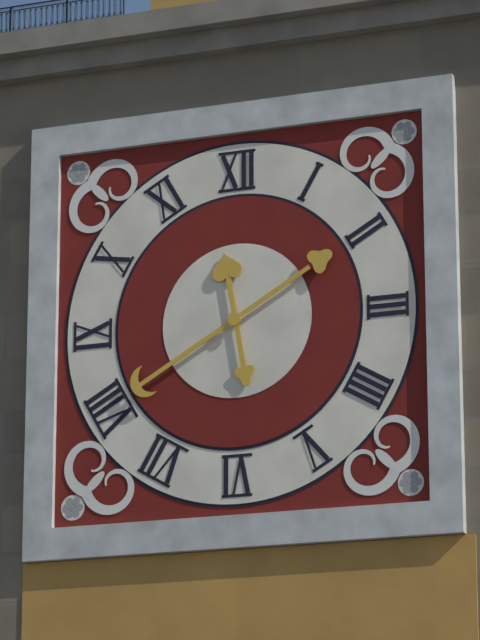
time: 11:40
